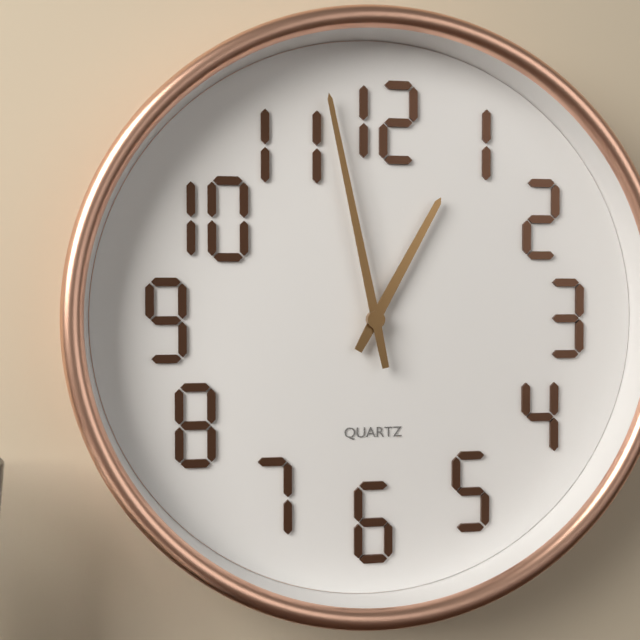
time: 12:58
